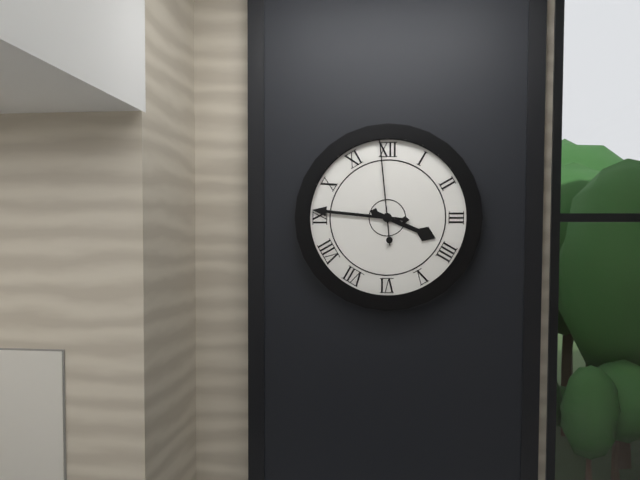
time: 3:46:59
